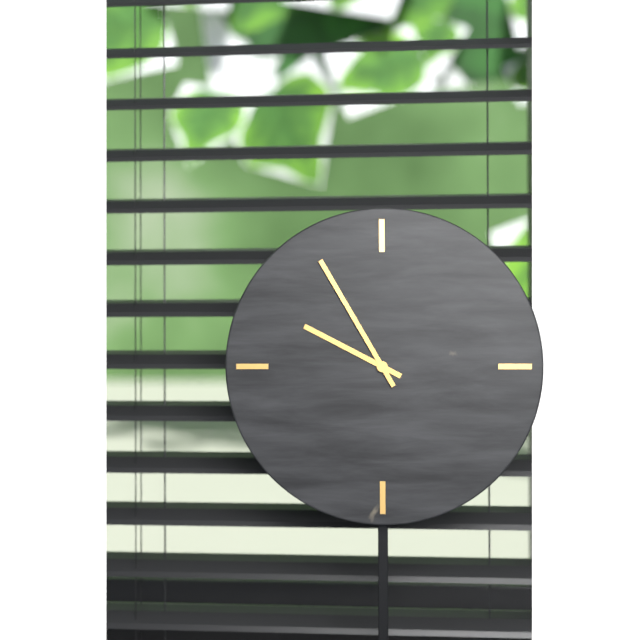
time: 9:55
